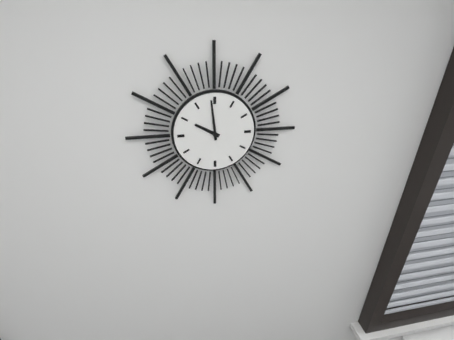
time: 9:59
